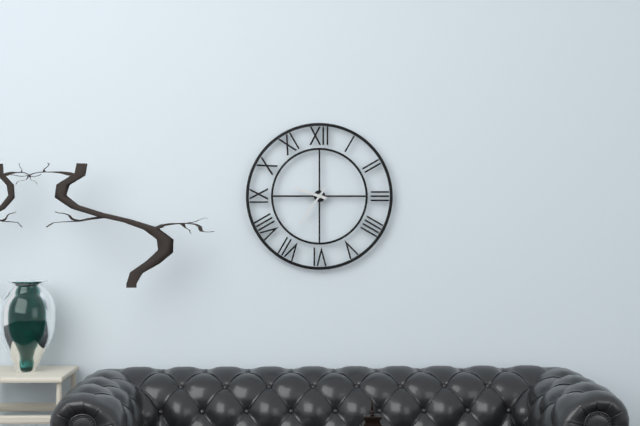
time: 9:36
